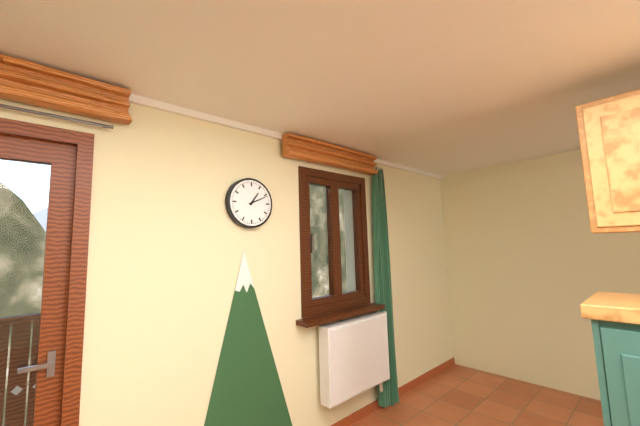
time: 1:11
